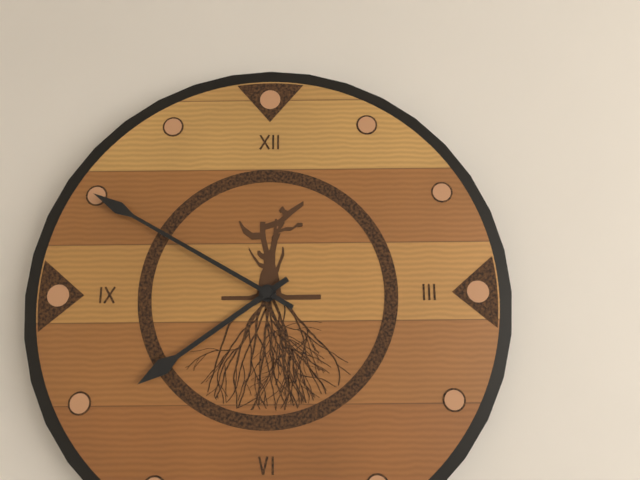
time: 7:50
